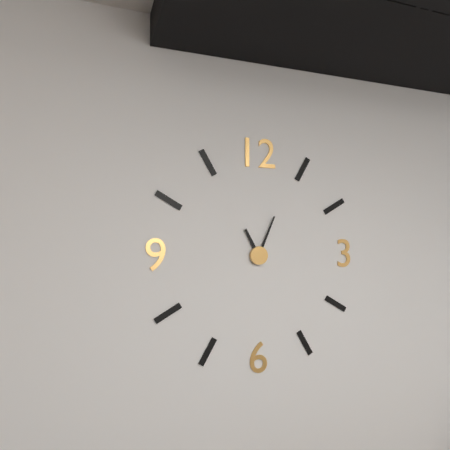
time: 11:04
